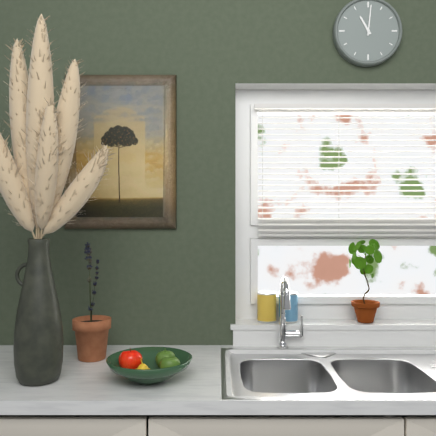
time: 11:01
